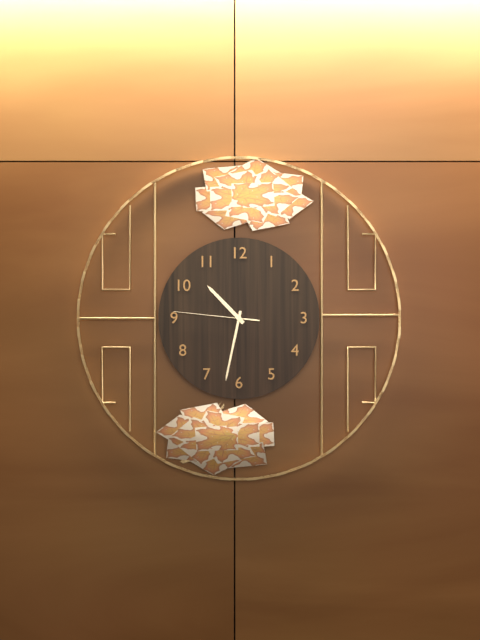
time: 10:32:46
